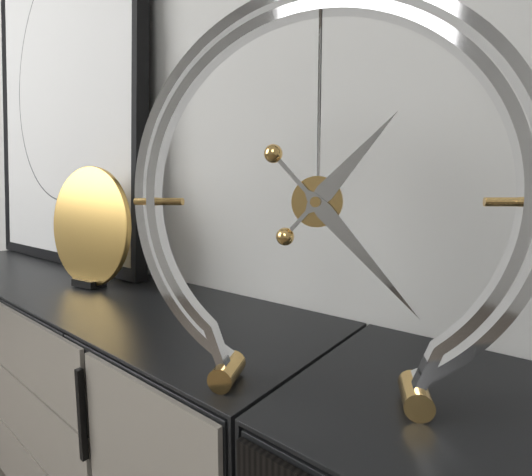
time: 1:23
